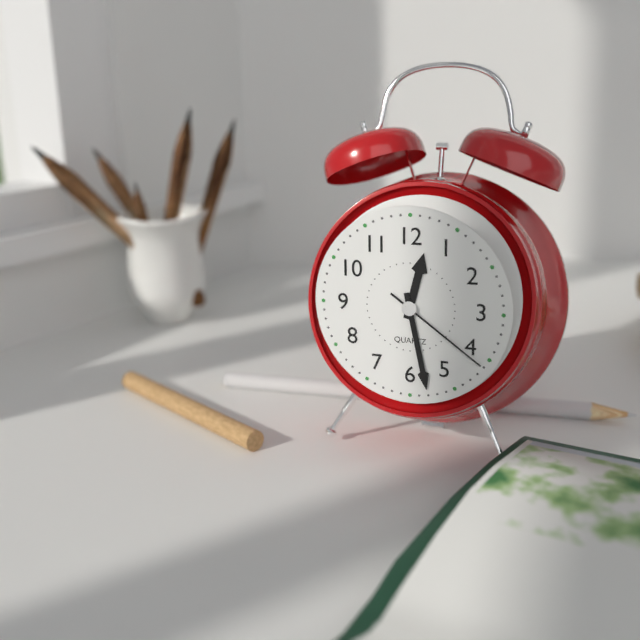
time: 12:28:21
